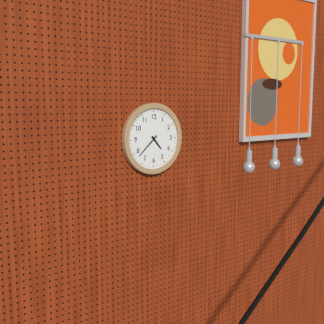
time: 4:38
